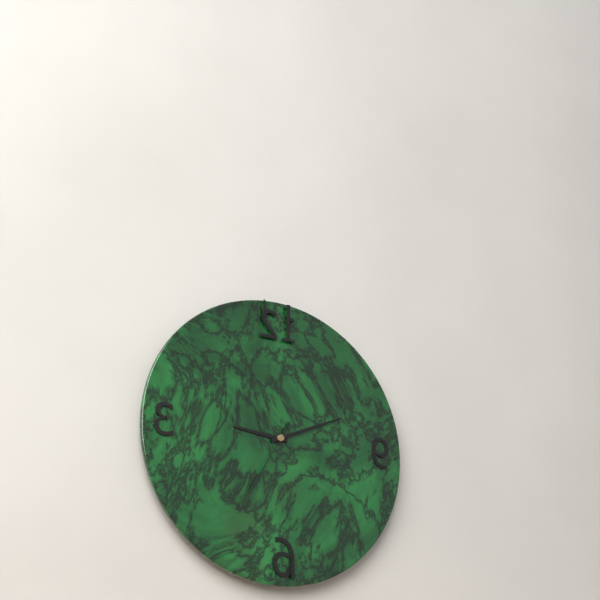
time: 9:11:35
